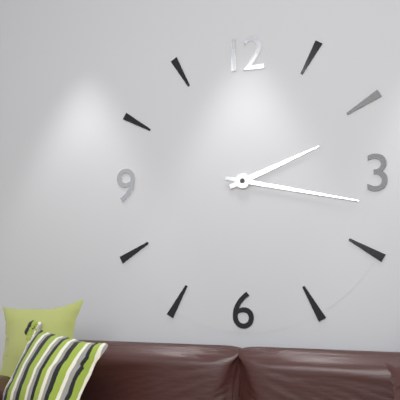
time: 2:17
